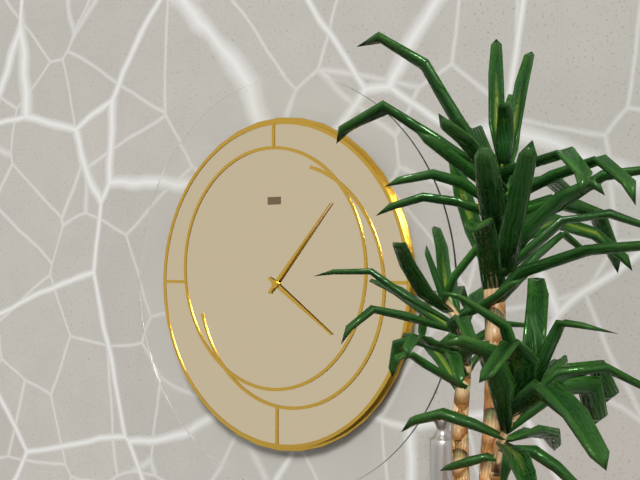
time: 4:07
